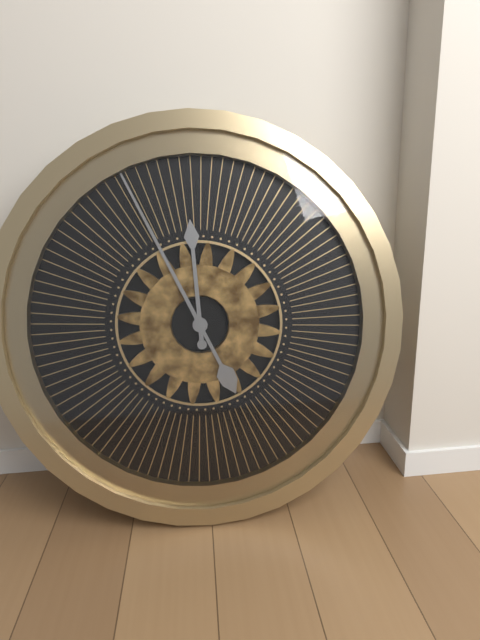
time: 11:56
